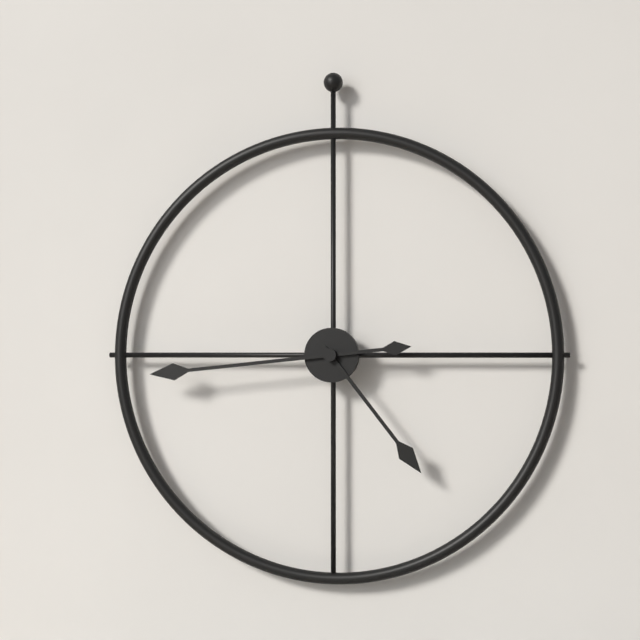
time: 4:44
